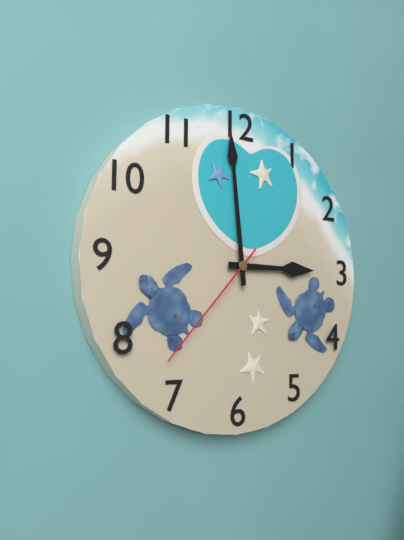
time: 2:59:37
